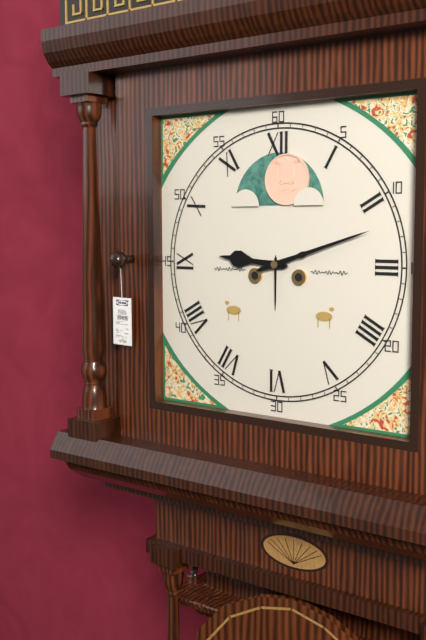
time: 9:12
